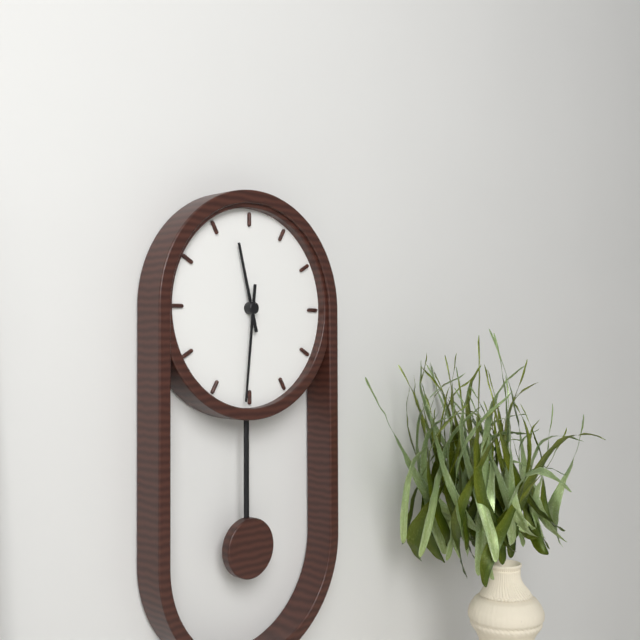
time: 11:31
